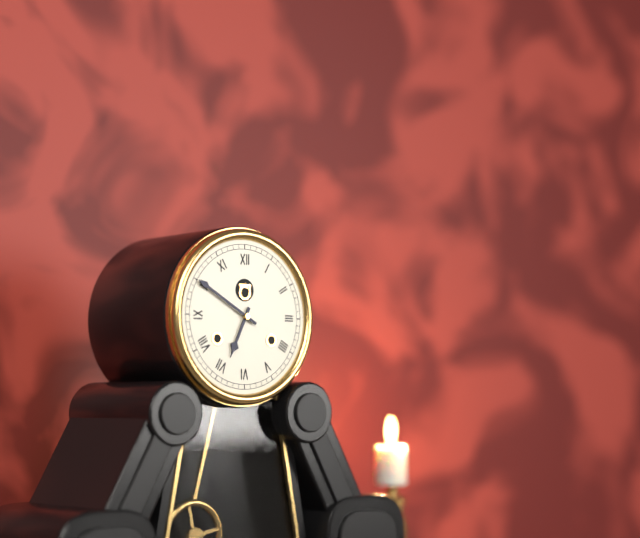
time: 6:50
